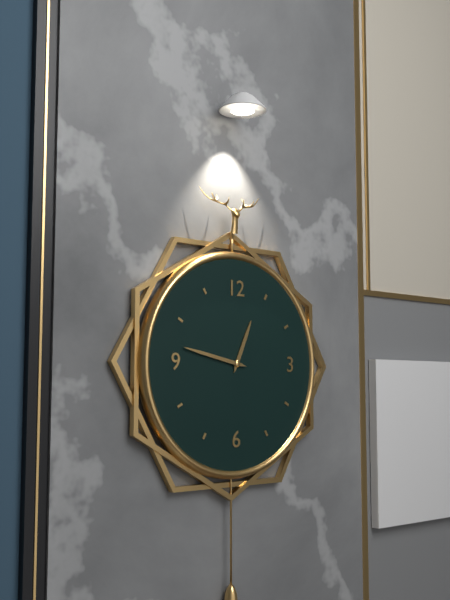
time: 12:47
